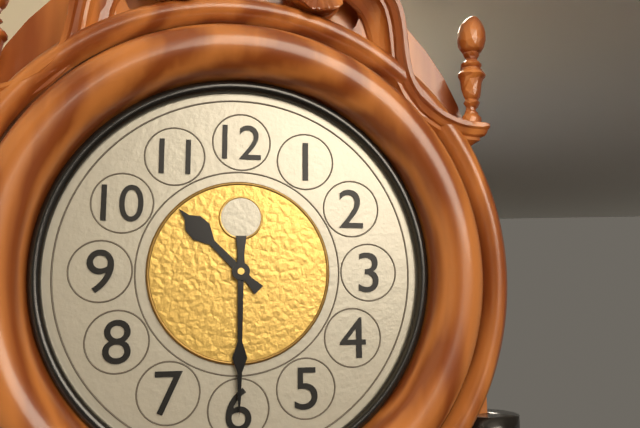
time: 10:30
